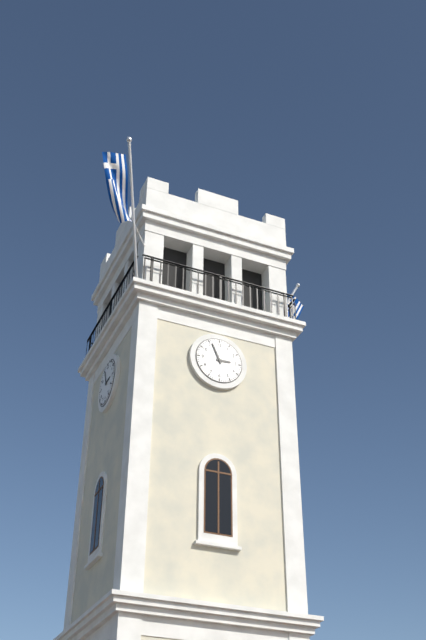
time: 2:56
